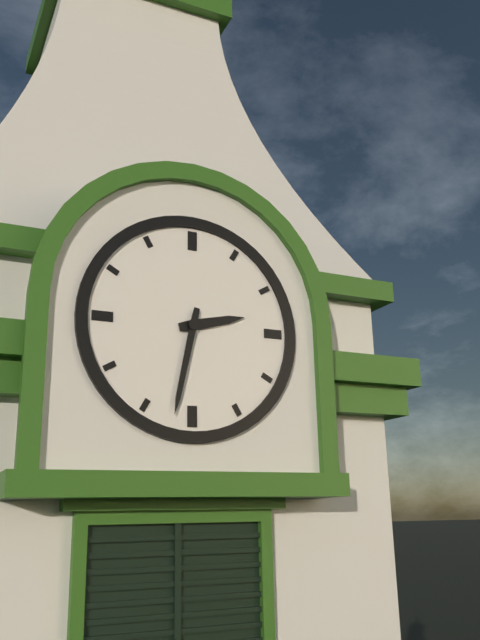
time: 2:32
